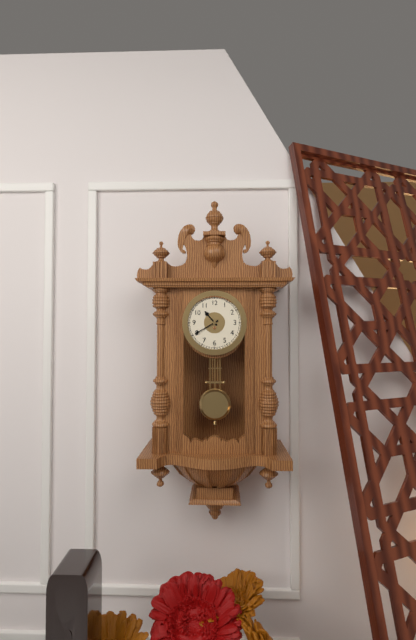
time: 10:40
